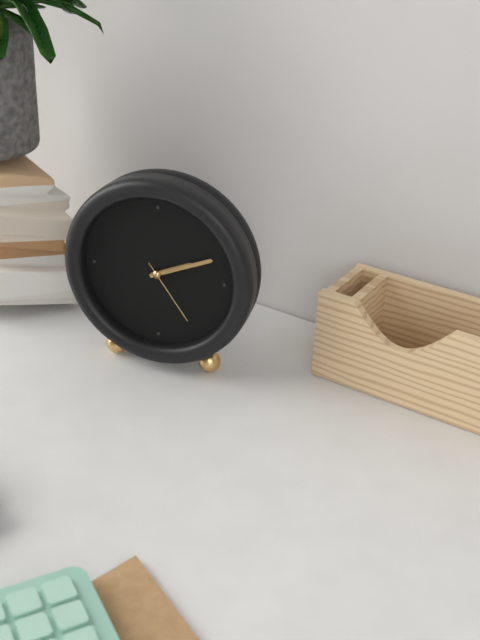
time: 2:11:24
